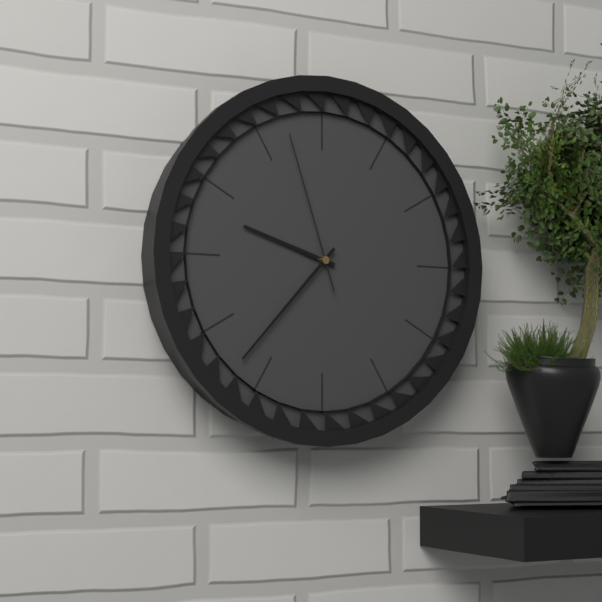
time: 9:37:57
